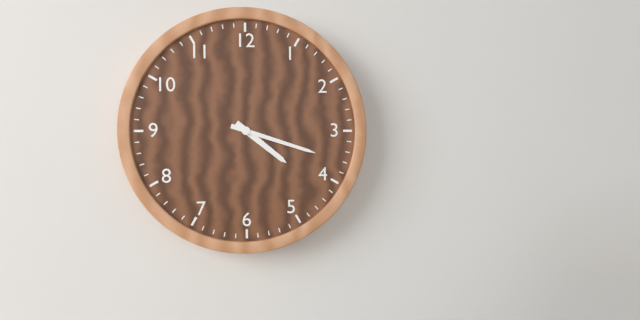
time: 4:18
